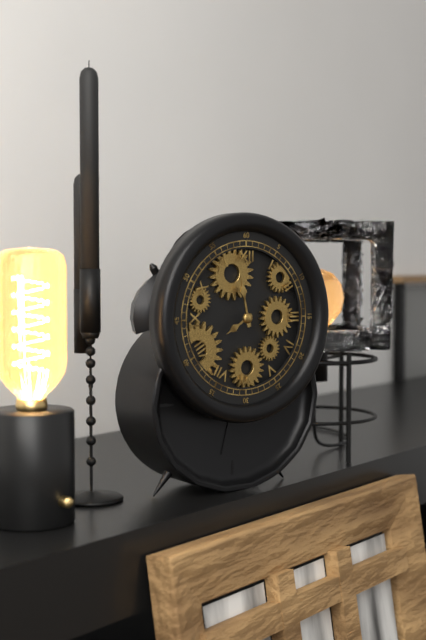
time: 7:58
